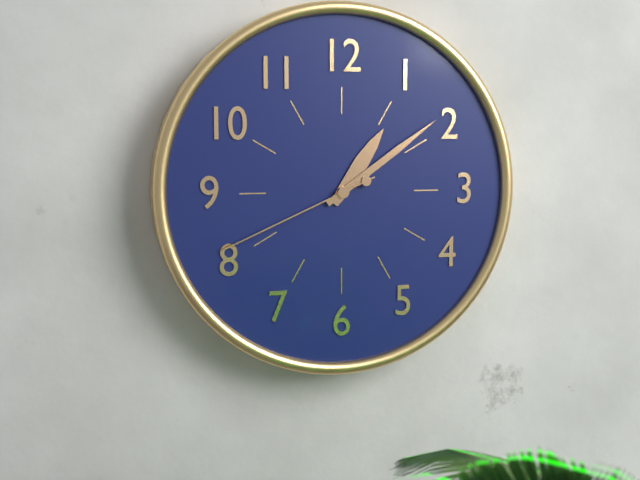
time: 1:09:41
